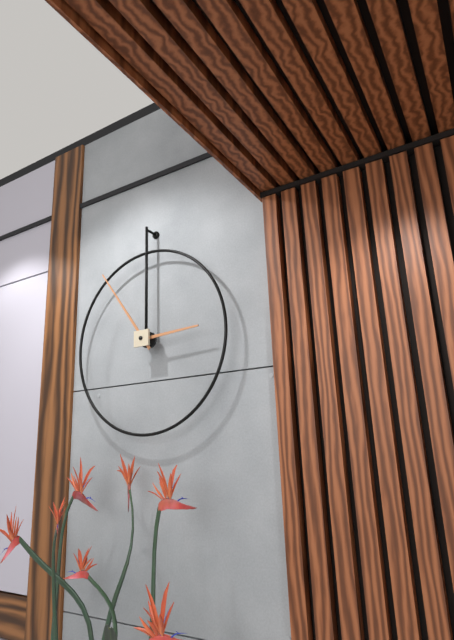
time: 2:54
